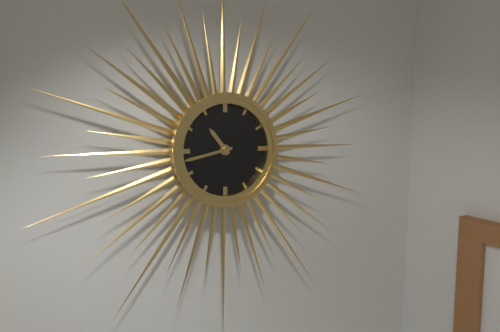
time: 10:43
